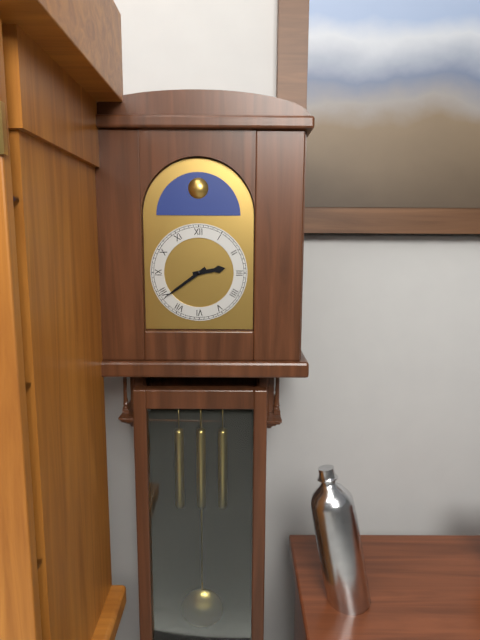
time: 2:39
